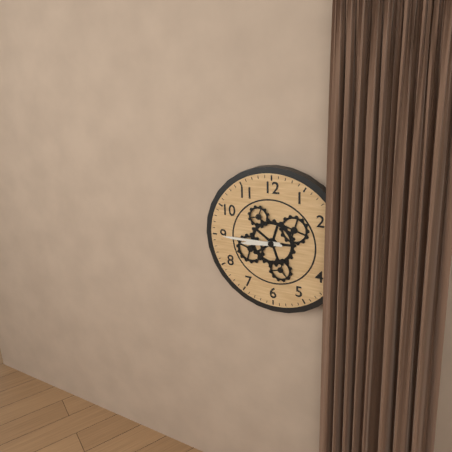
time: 8:45
